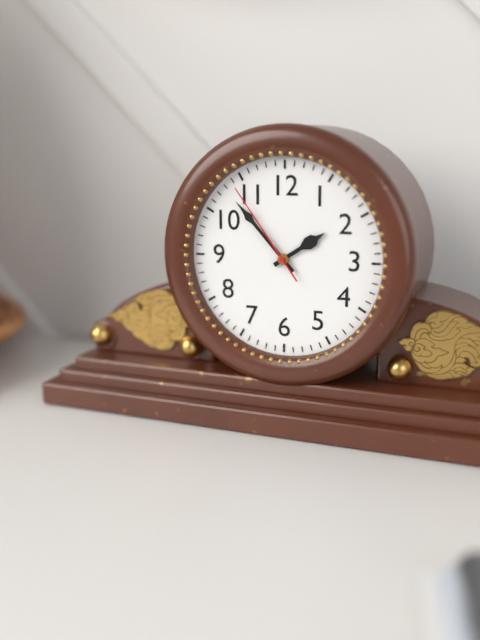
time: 1:53:54
